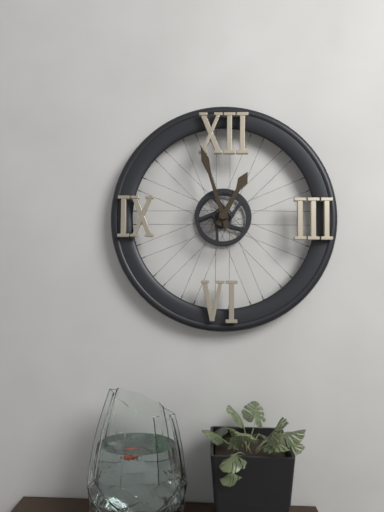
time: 12:57
